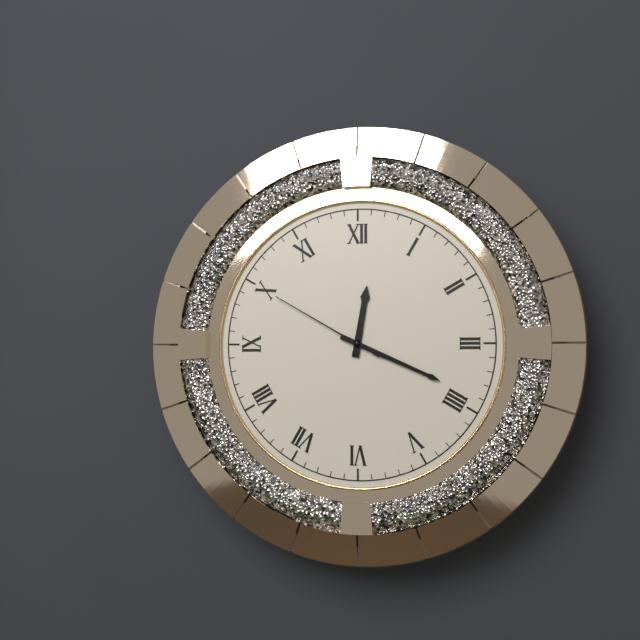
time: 12:19:50
